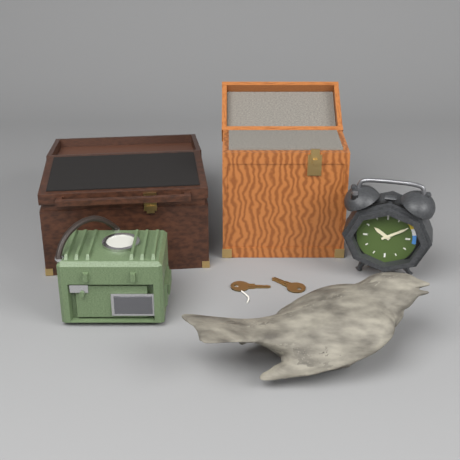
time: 10:10
